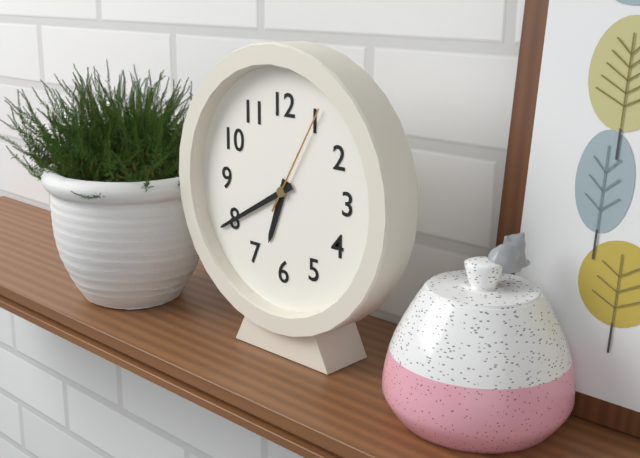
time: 6:40:05
